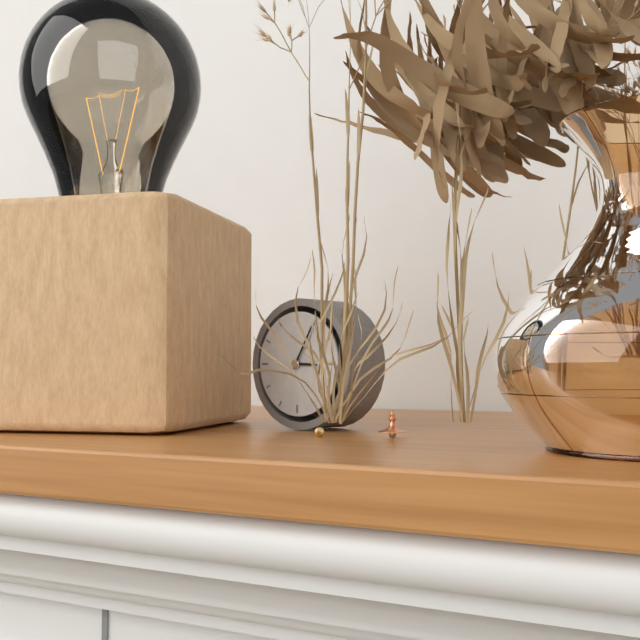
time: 3:05
